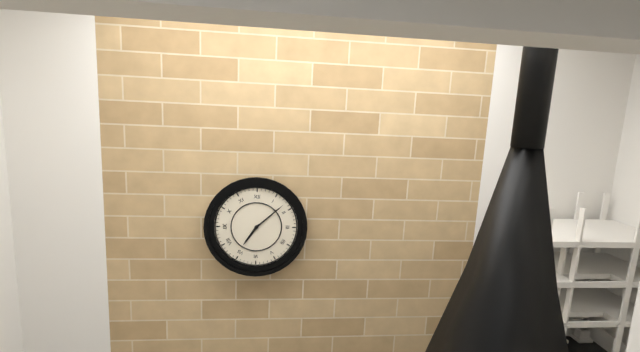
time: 7:08
